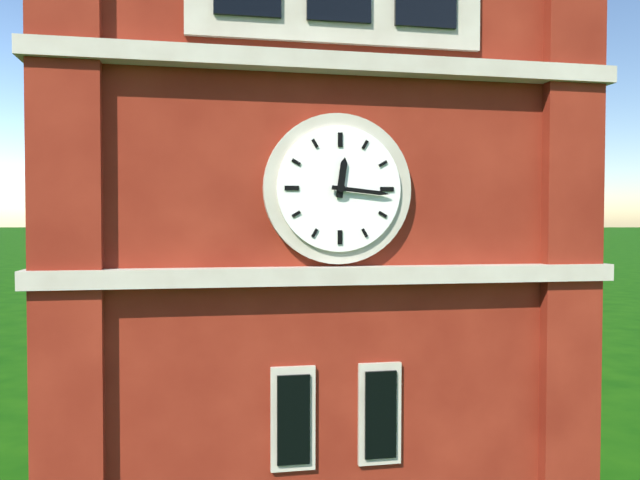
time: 12:16
